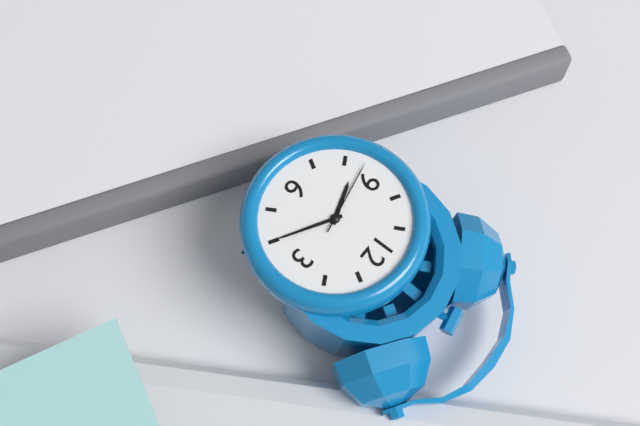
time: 8:20:43
